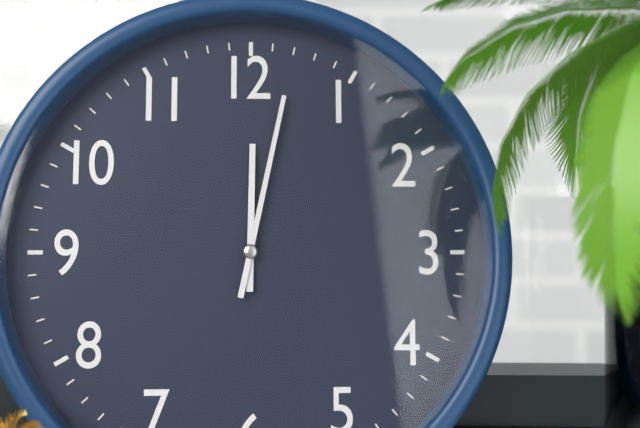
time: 12:02
